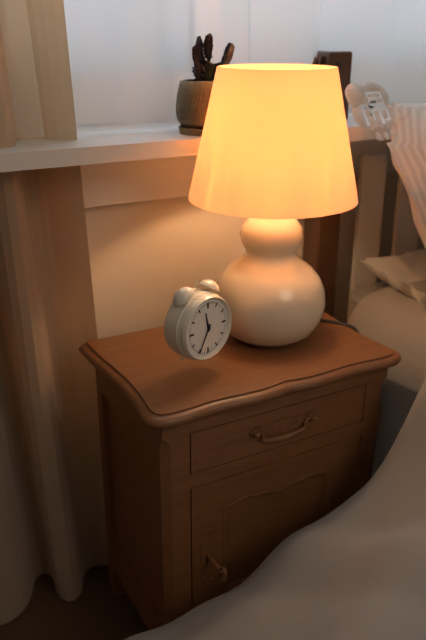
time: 11:35
